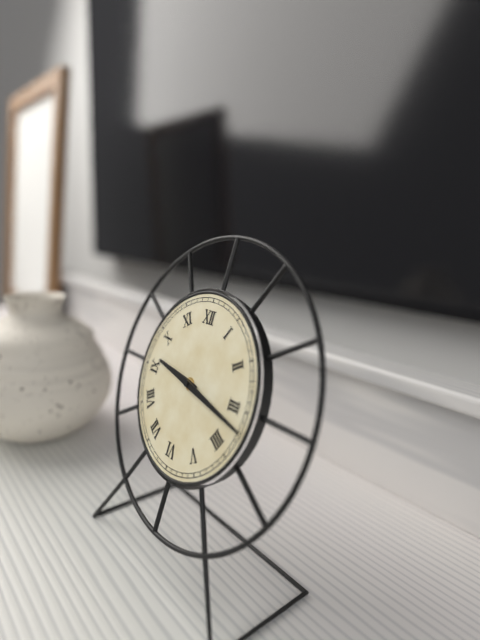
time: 9:17
